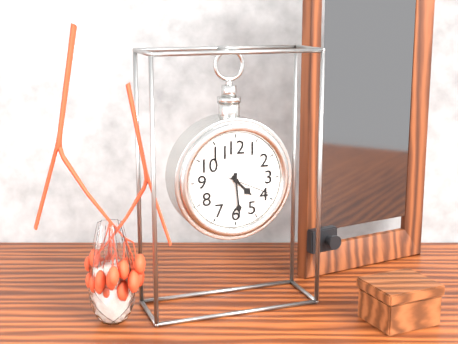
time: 4:29:19
